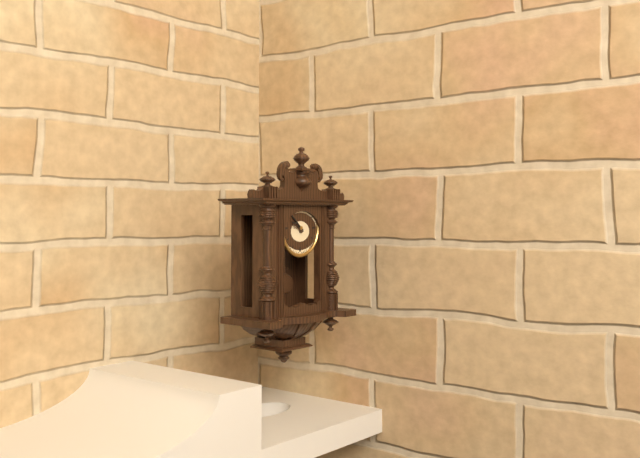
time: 9:52
